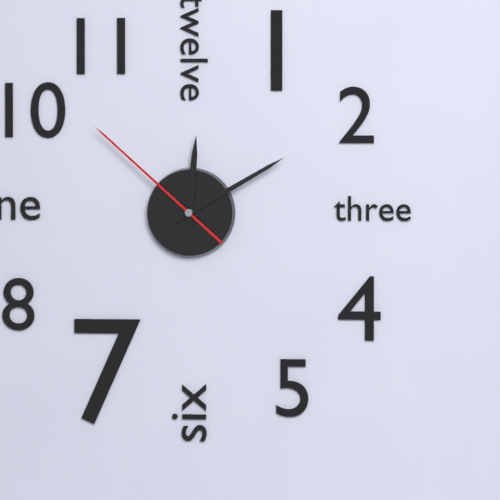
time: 12:10:52
